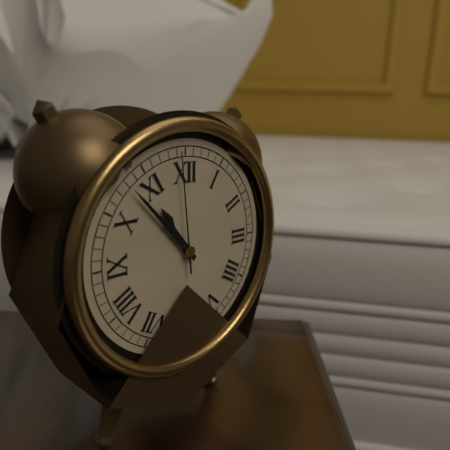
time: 10:53:59
